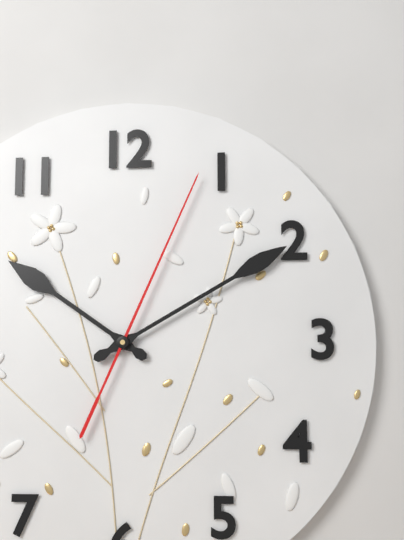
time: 10:10:04
